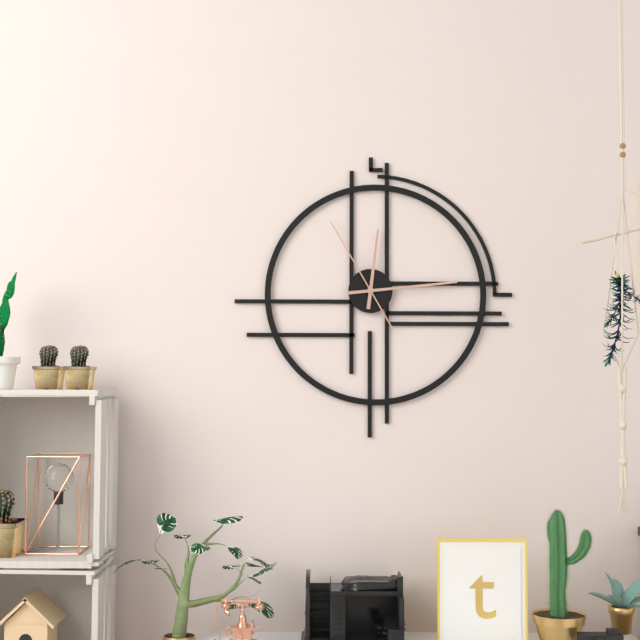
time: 12:14:55
